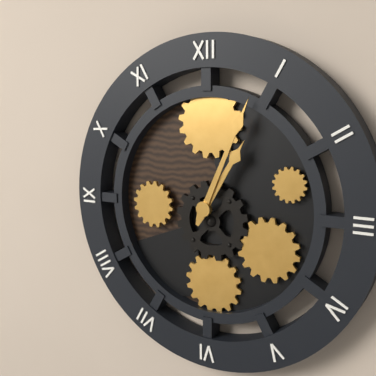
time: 1:04
